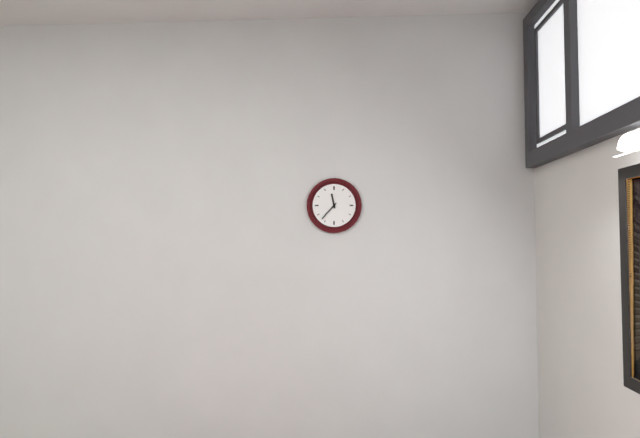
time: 11:37
